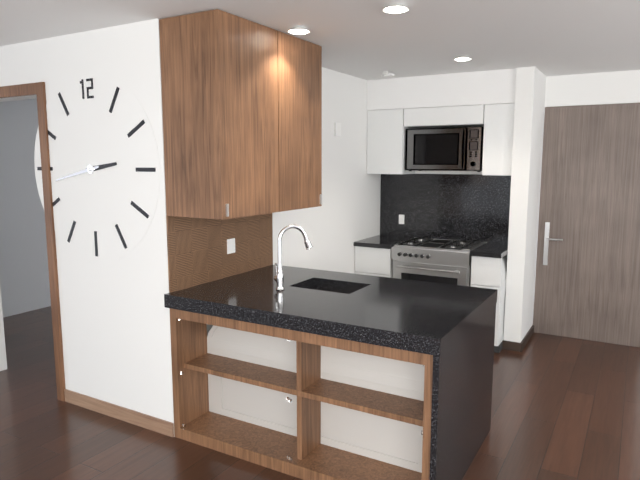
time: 2:43
